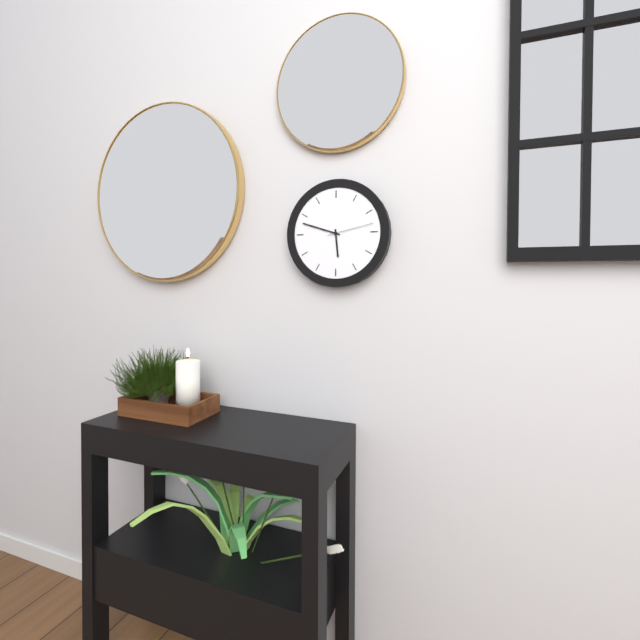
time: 5:48
